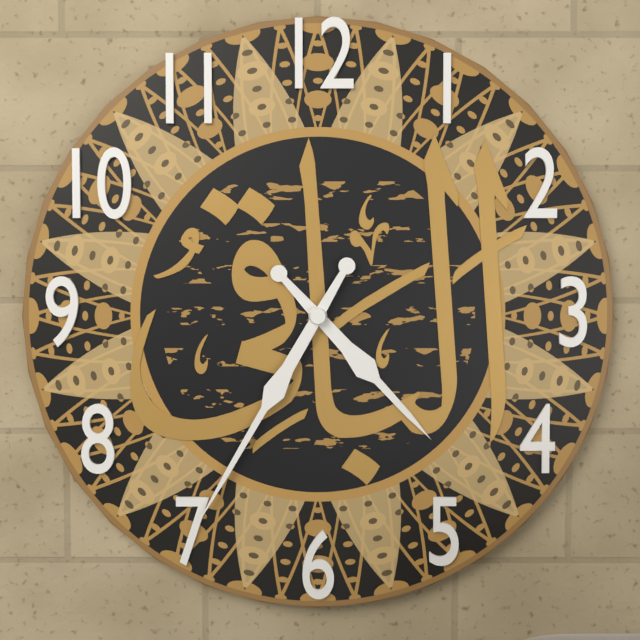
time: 4:35
